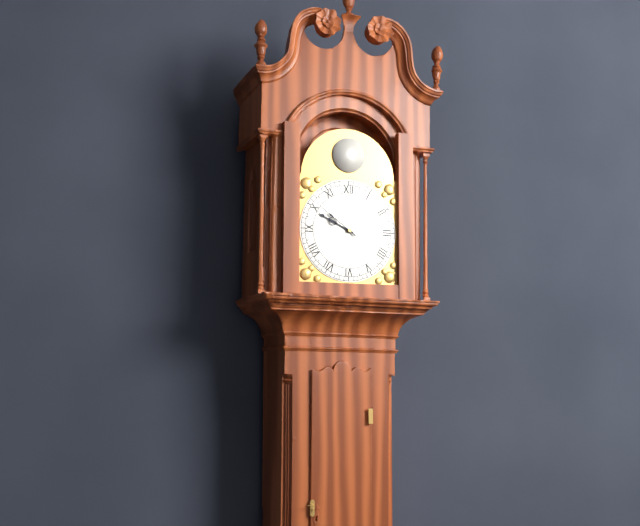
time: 9:51
